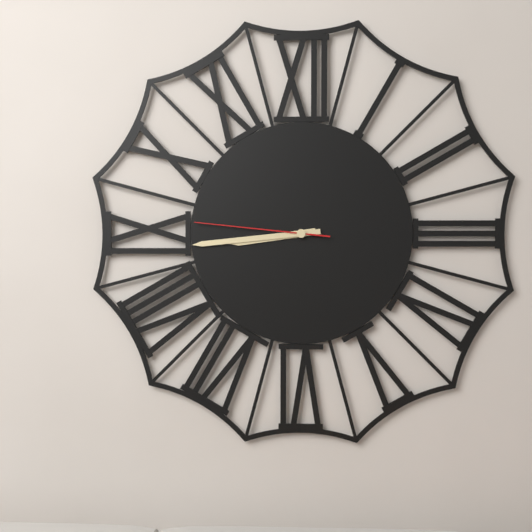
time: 8:44:46
